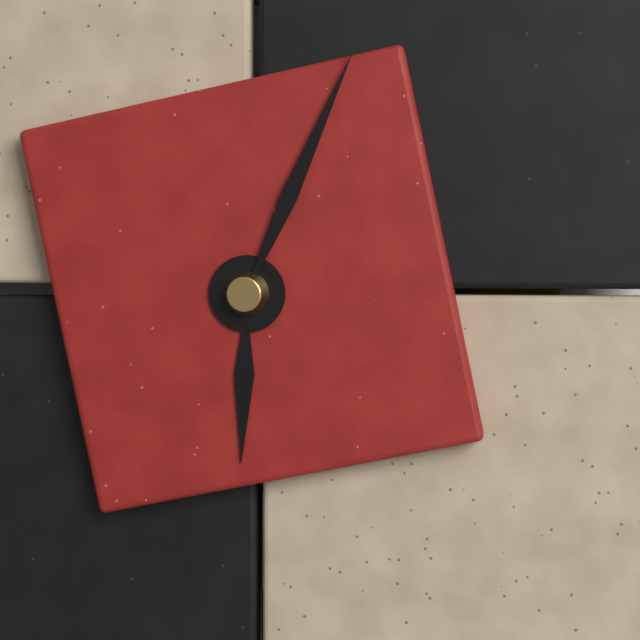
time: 6:04
